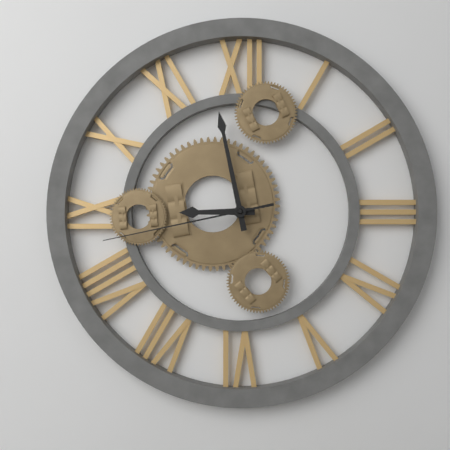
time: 8:58:43
